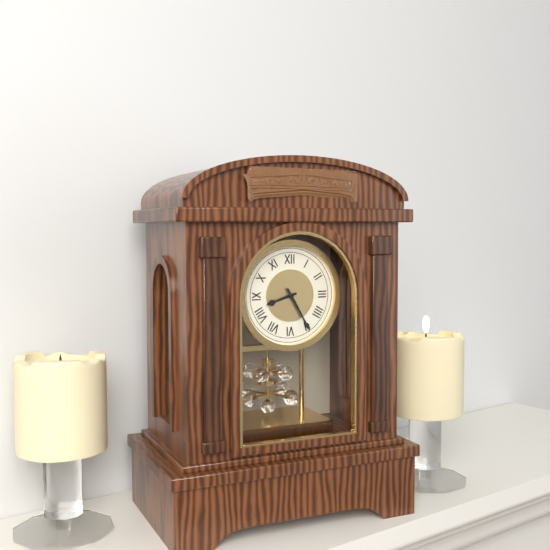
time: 8:25
